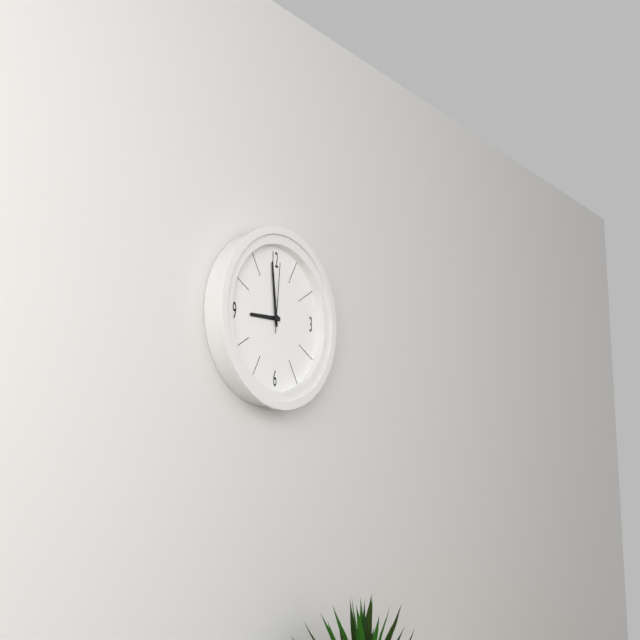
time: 8:59:01
